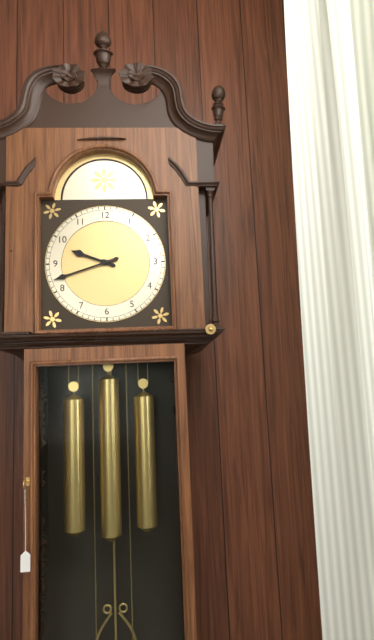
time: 9:42
